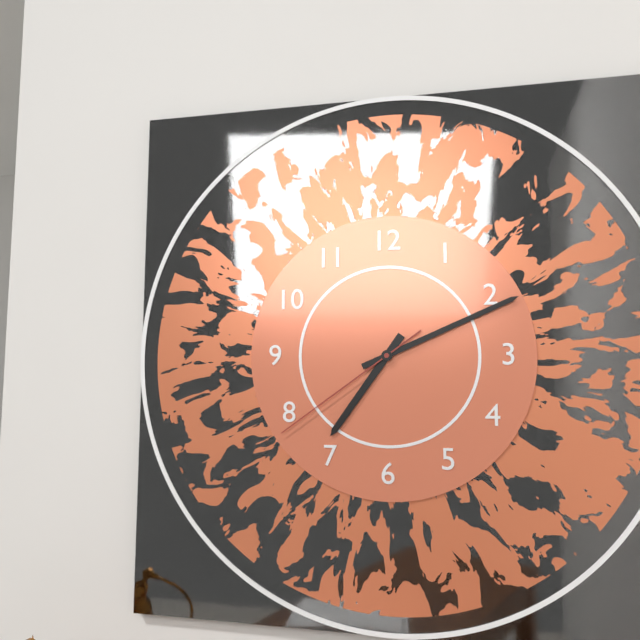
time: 7:11:39
